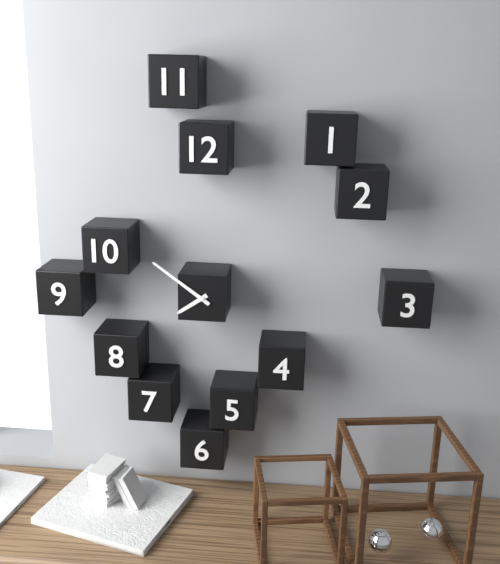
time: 7:51
